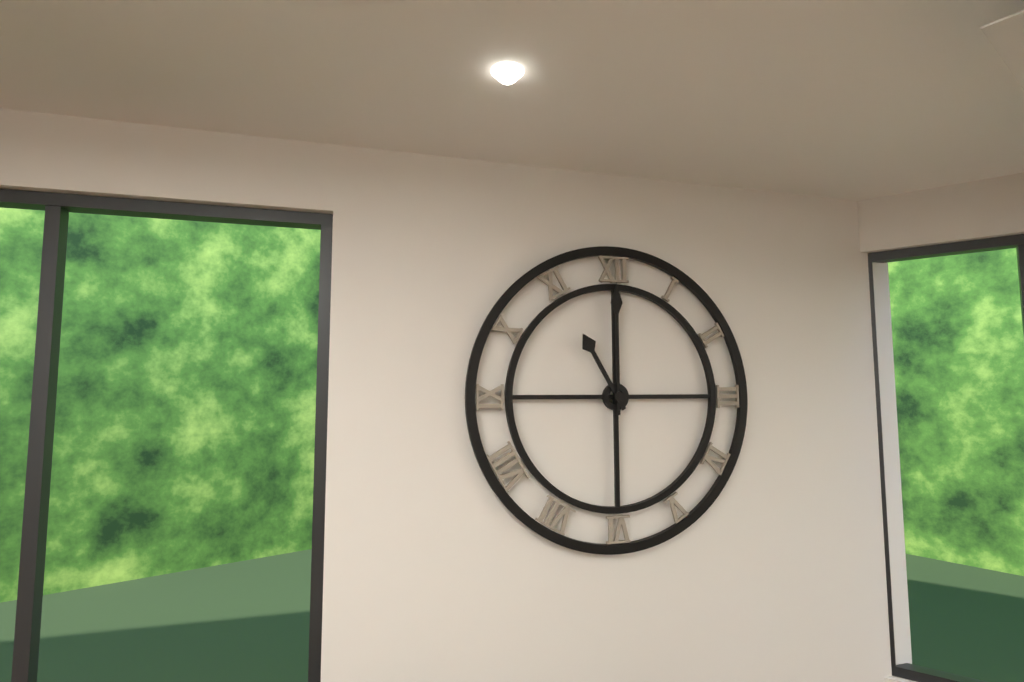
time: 11:00
